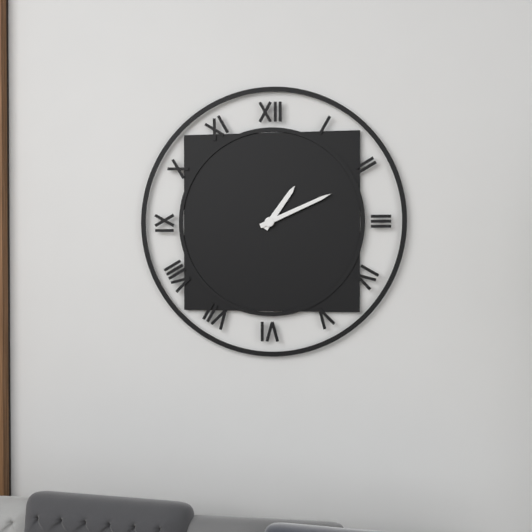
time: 1:11
